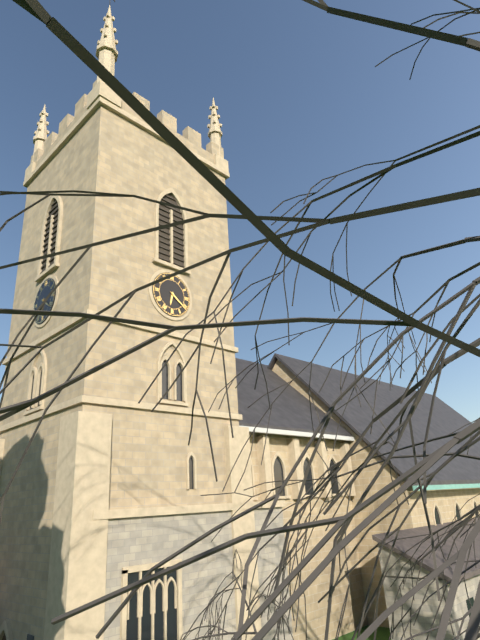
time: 6:21
